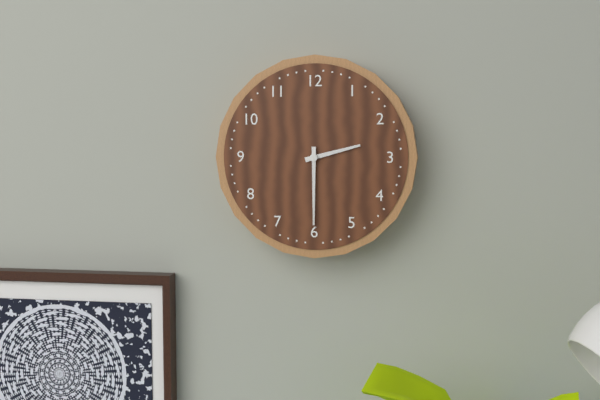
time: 2:30
